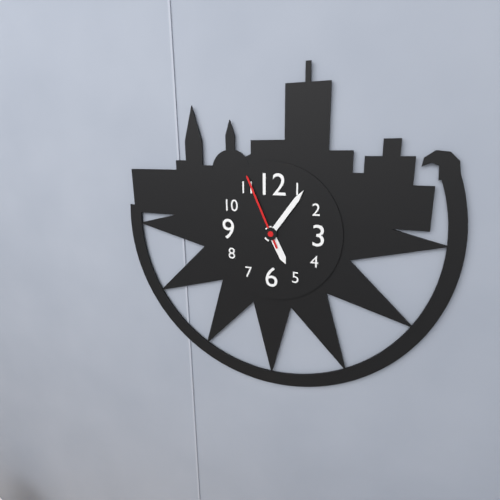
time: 5:06:56
